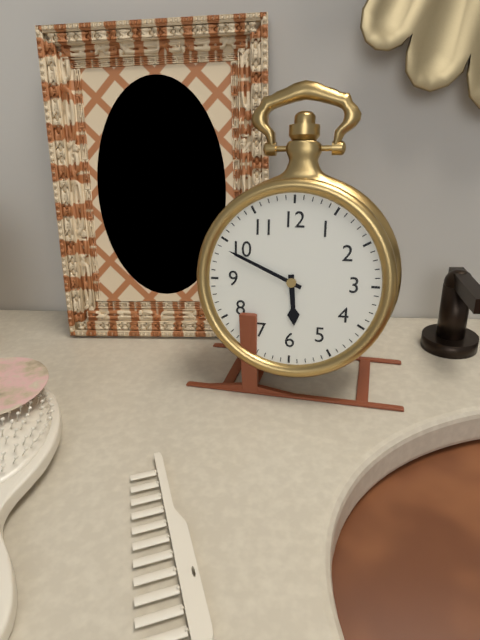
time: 5:49
